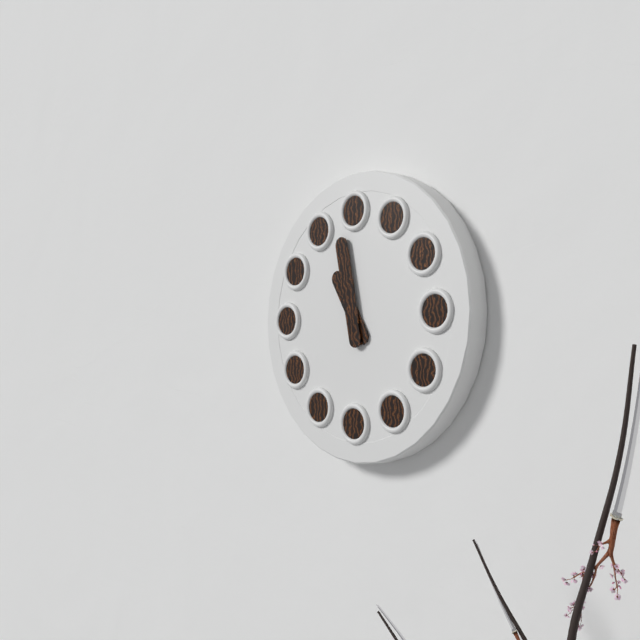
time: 10:58
